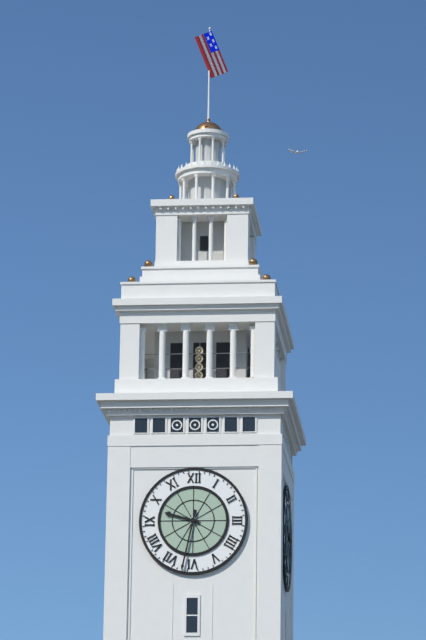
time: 9:32
